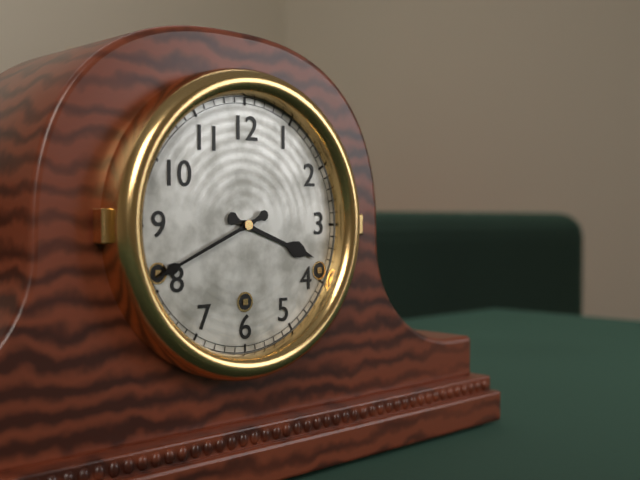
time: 3:41
